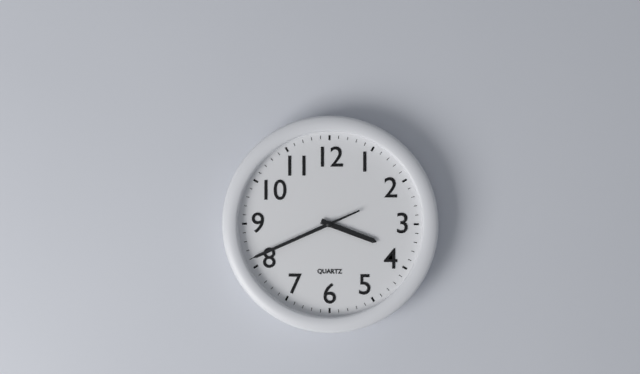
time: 3:41
